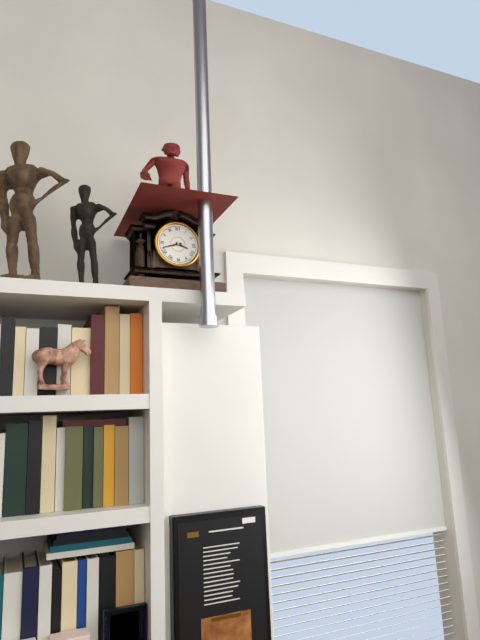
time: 3:42
